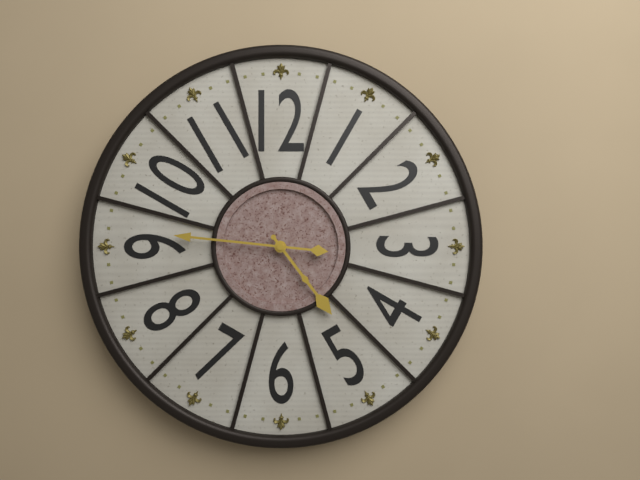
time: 4:46
